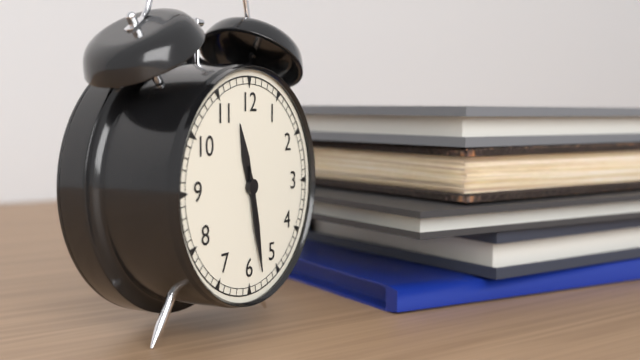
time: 11:28
